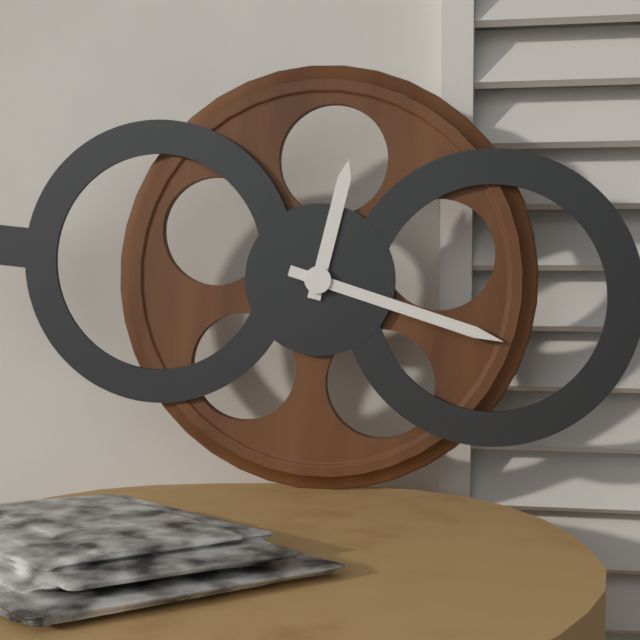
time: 12:17
